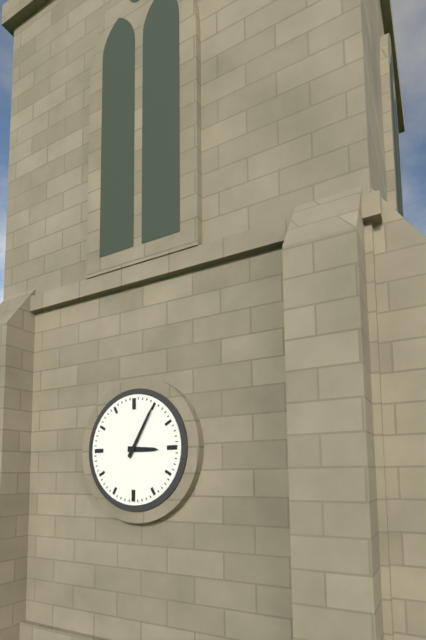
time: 3:05
